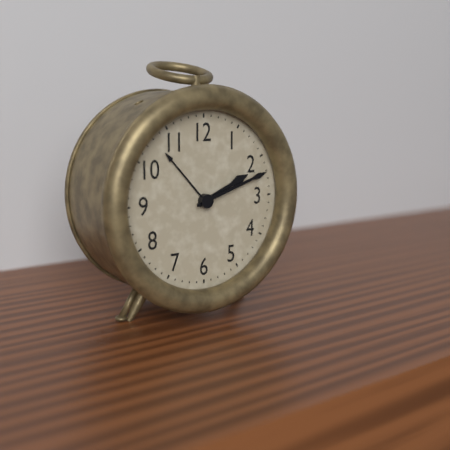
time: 2:12
